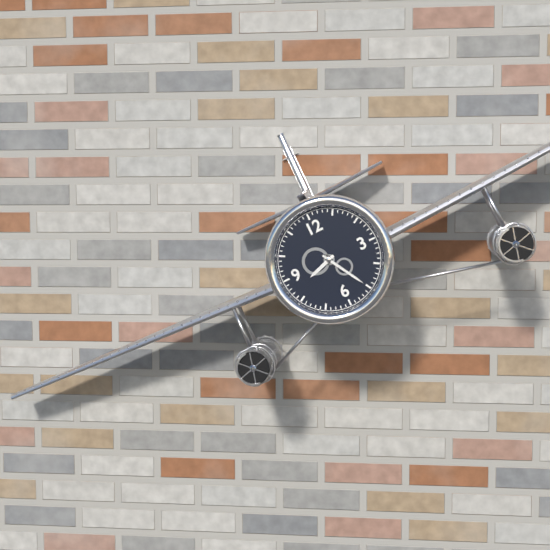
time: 8:25
